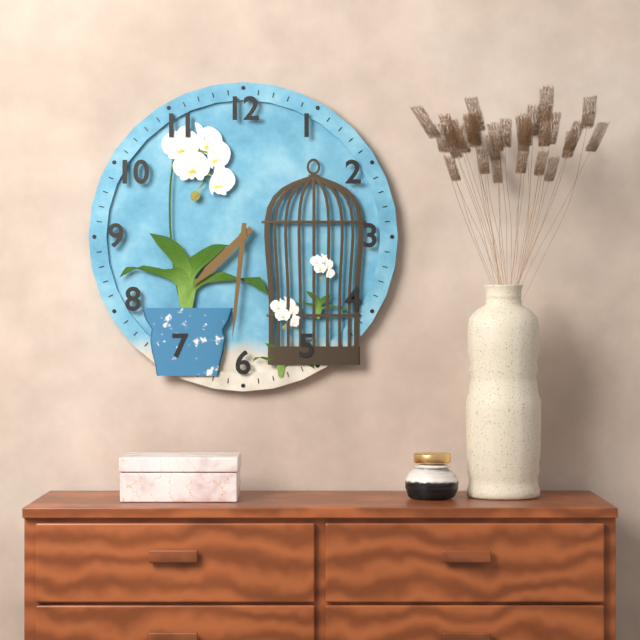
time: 7:31
